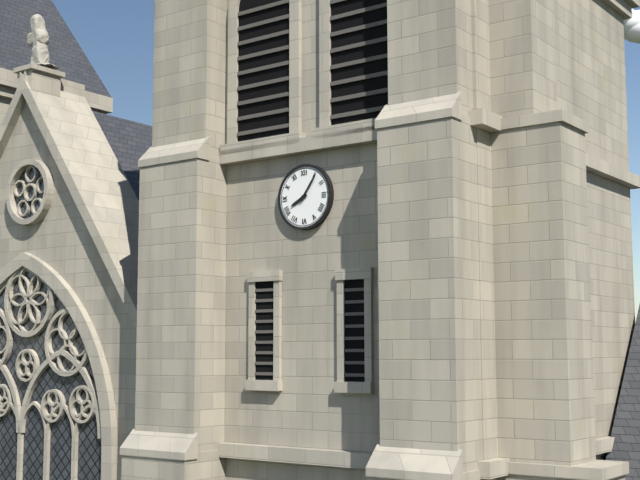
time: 8:06
